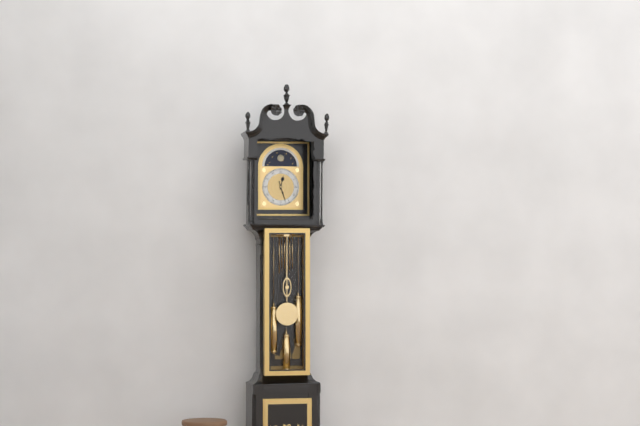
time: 12:27
